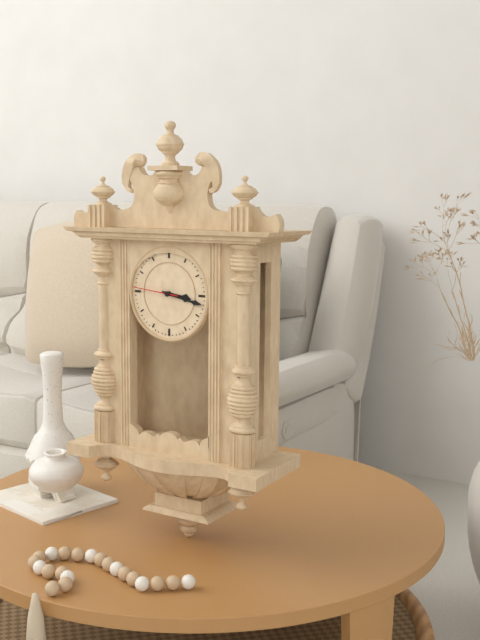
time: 3:17
